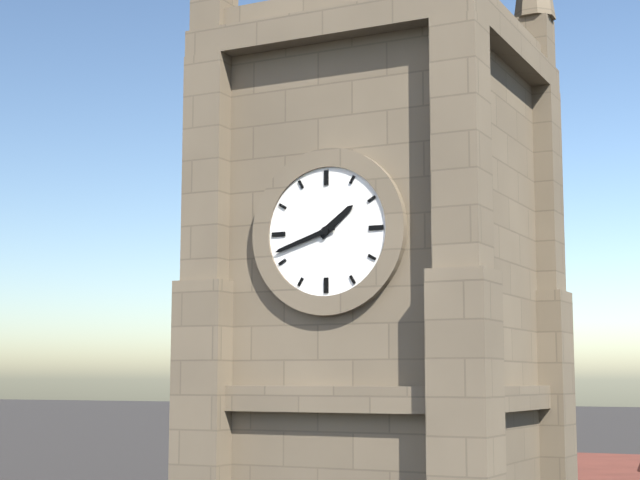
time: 1:42
